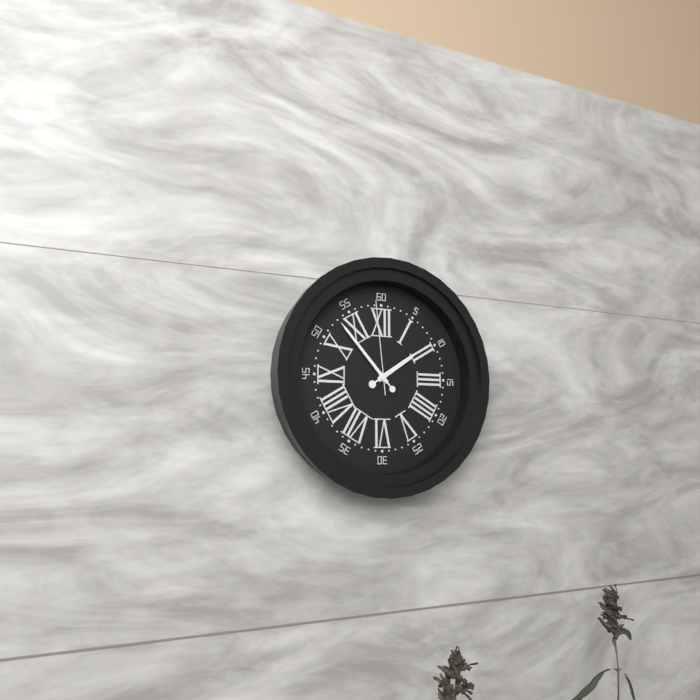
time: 1:53:59
